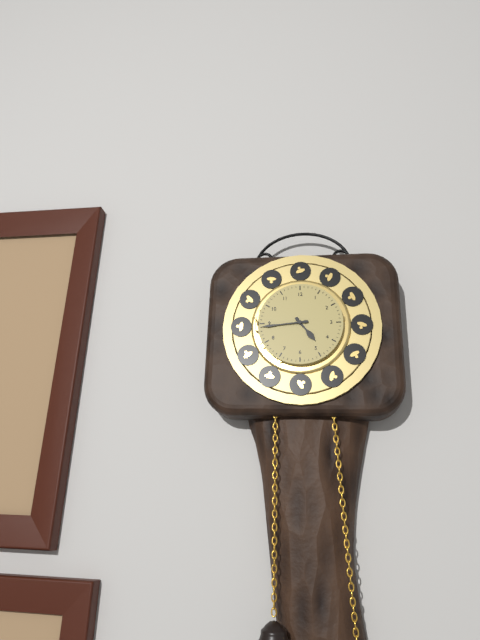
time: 4:44
